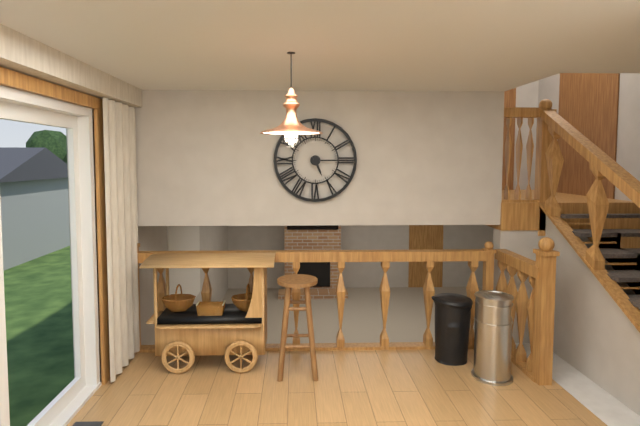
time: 5:15
